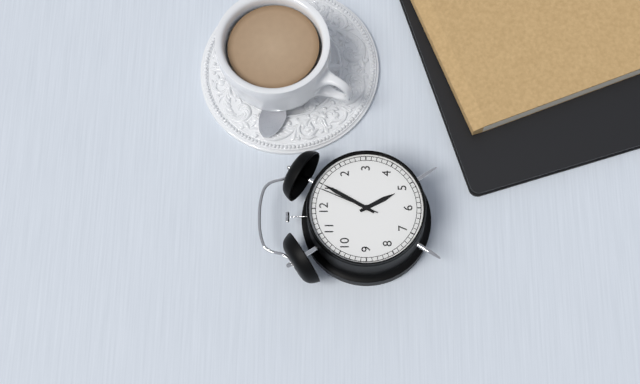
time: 5:05:04
